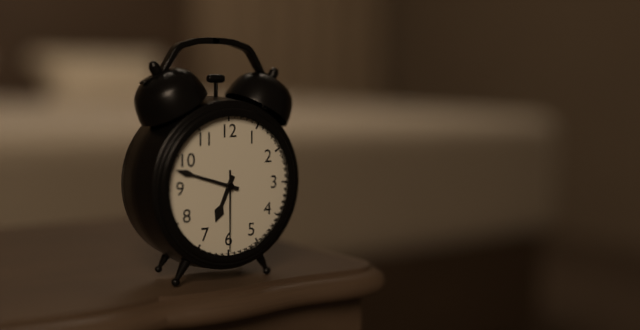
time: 6:48:30
